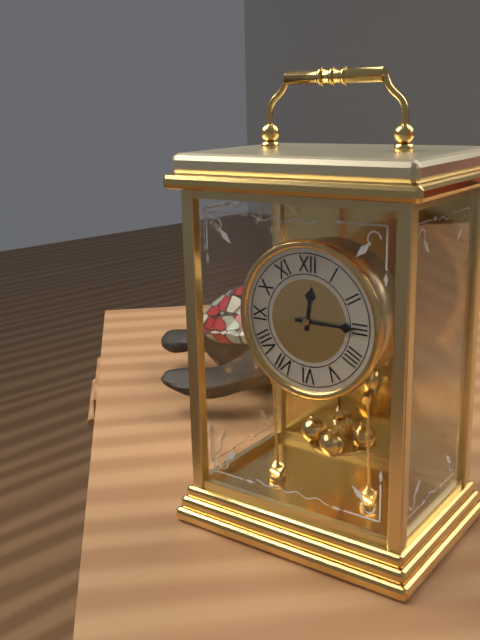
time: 12:15
